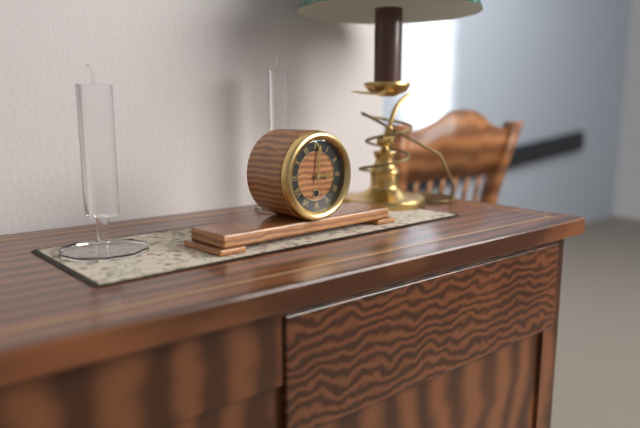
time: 3:01
